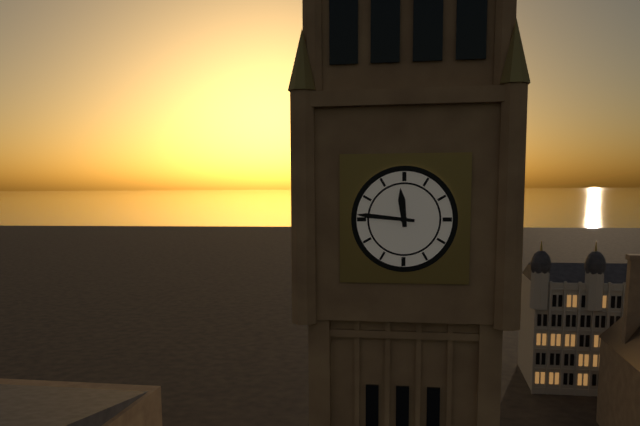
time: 11:46
